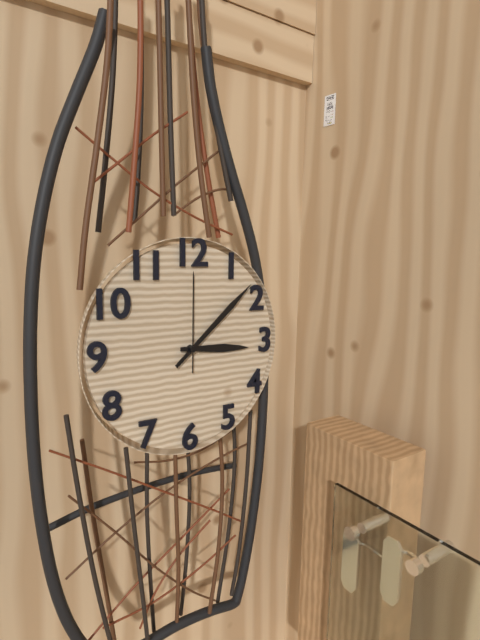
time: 3:08:00
